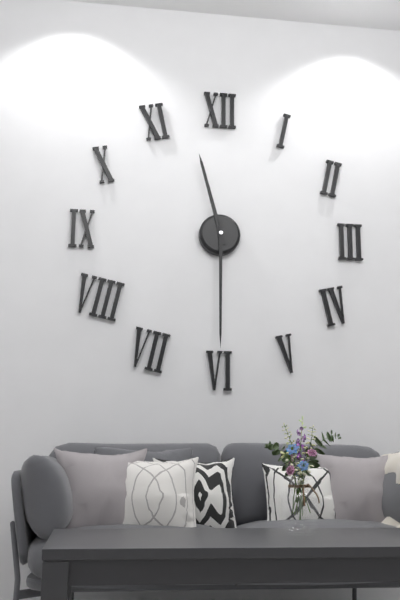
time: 11:30
